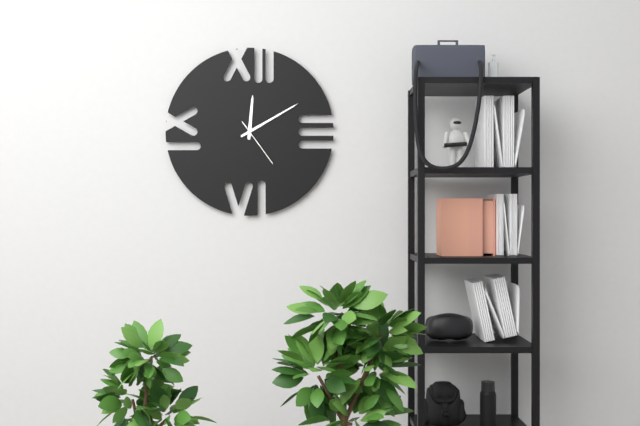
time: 12:10
